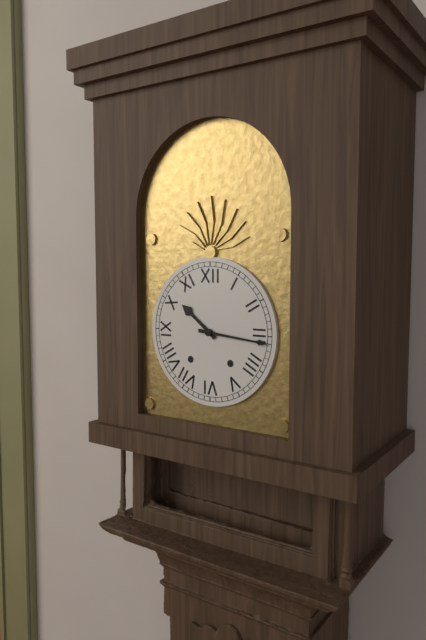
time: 10:16
